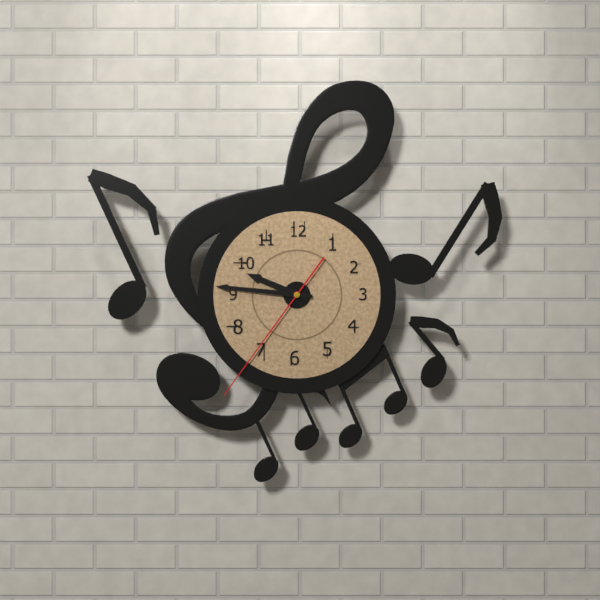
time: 9:46:36
